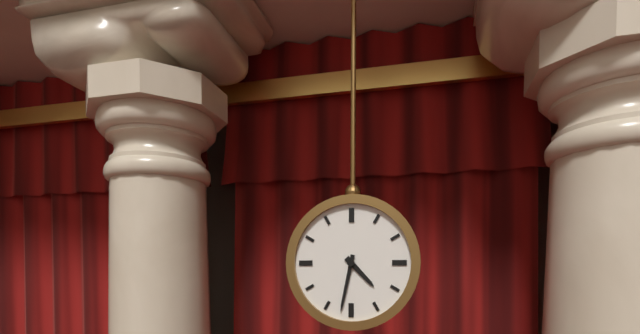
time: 4:32
